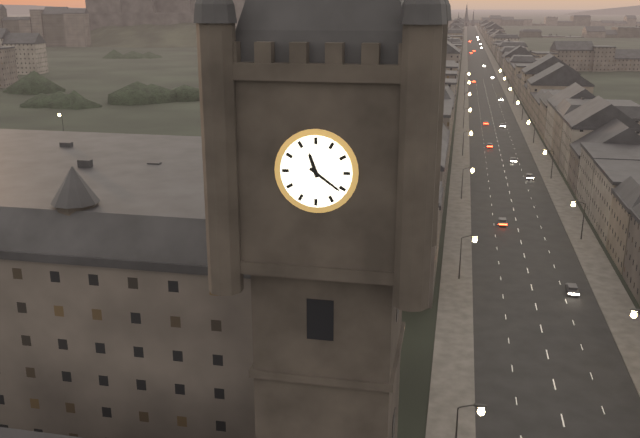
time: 11:21
